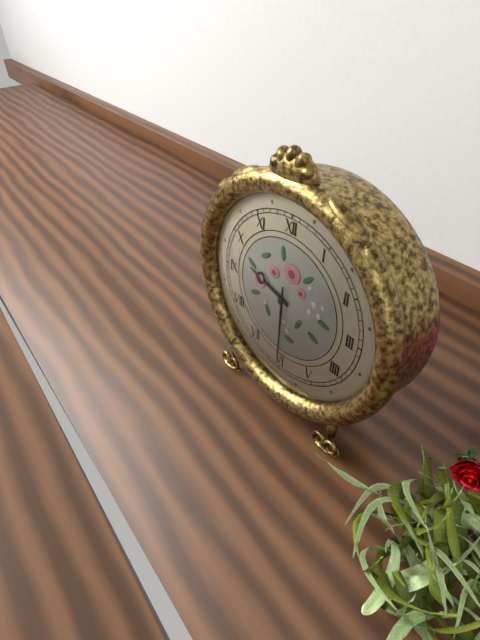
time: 9:30
